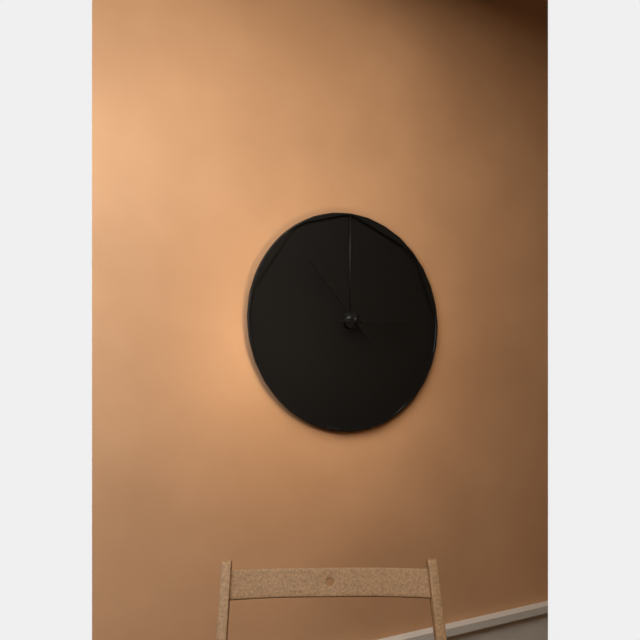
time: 2:53
